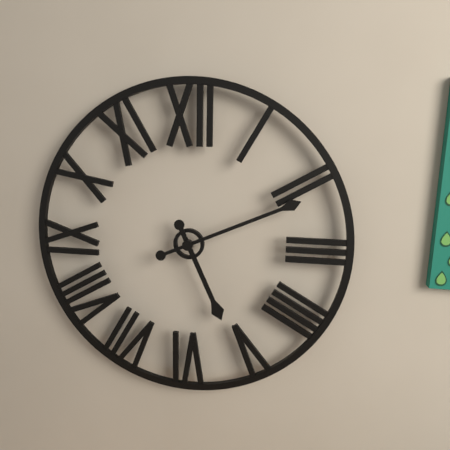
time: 5:11
